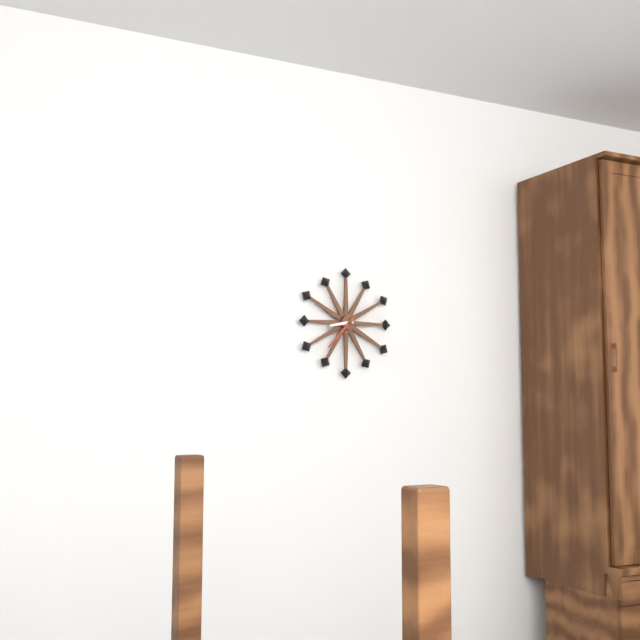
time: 8:37
